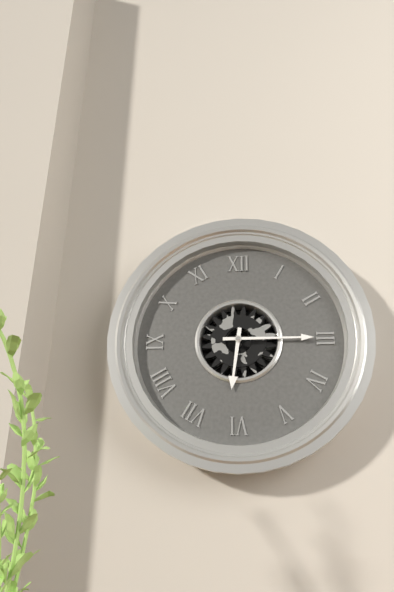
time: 6:15
